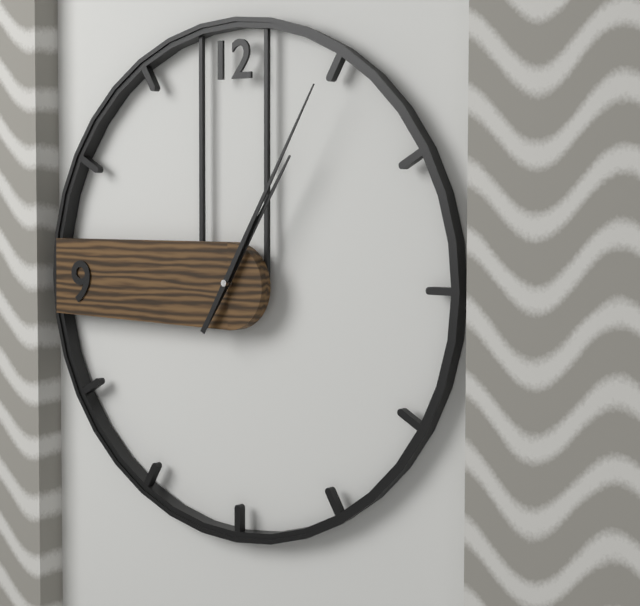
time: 1:05
